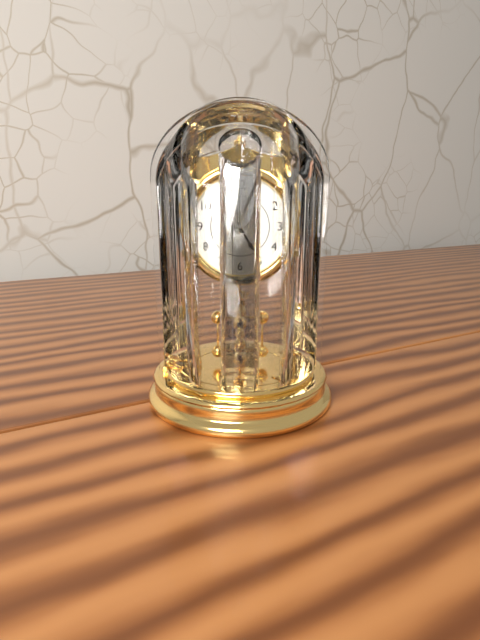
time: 5:00
